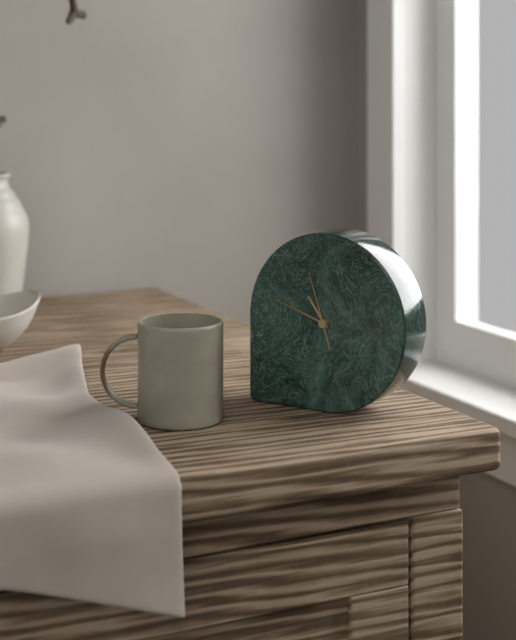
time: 10:48:57
